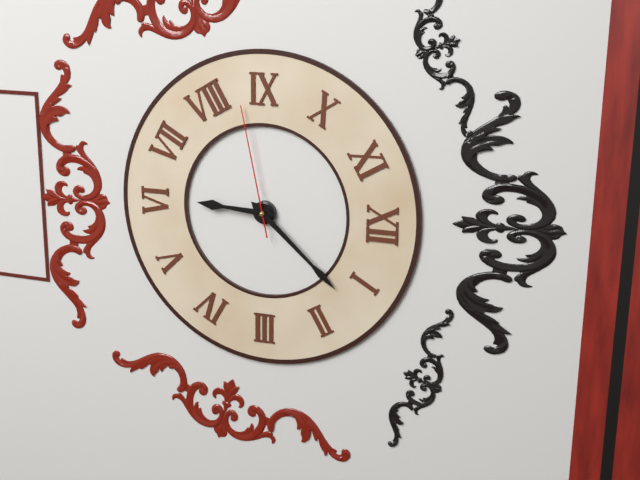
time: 6:07:43
